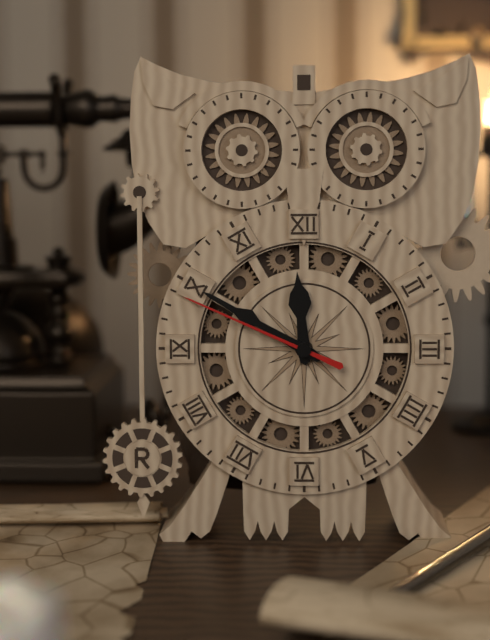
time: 11:50:49
